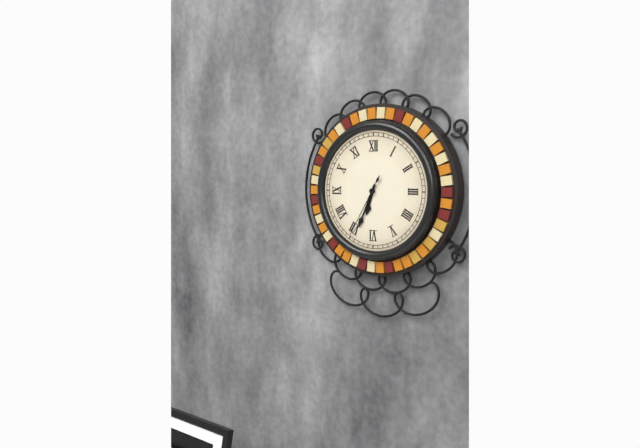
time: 6:34:35
